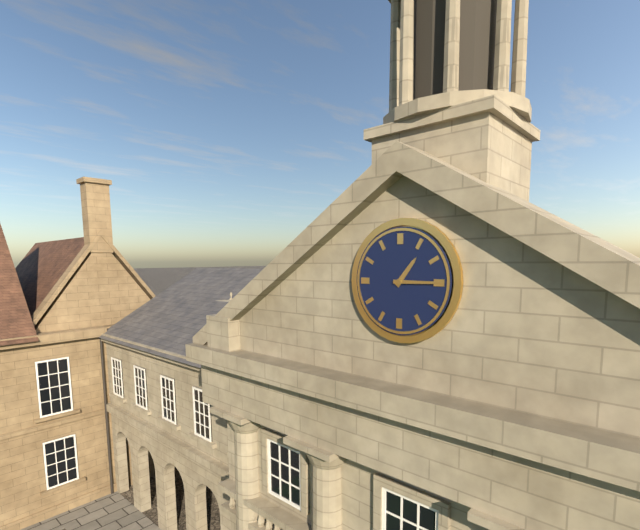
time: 1:15
